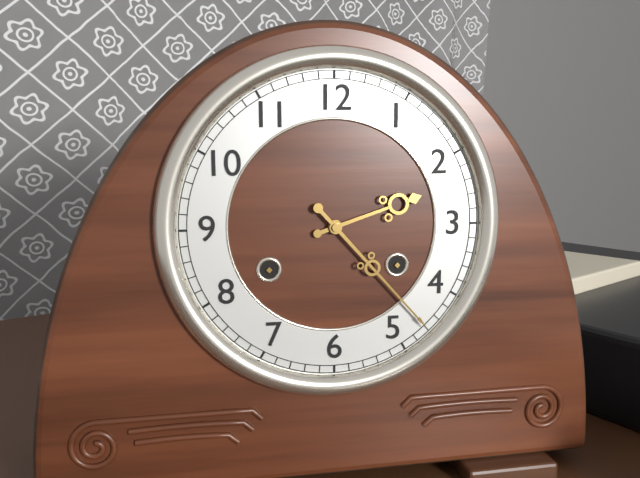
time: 2:23
